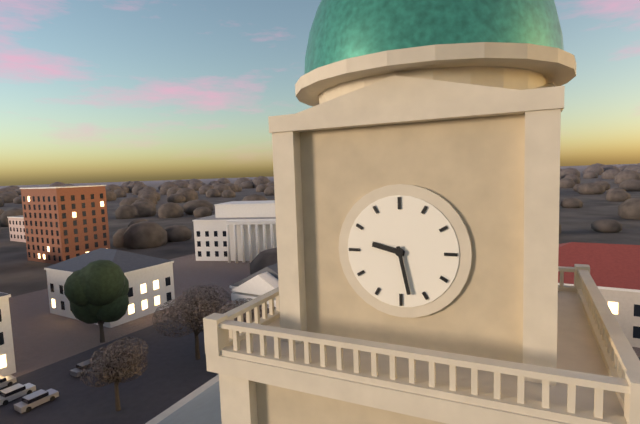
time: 9:28
